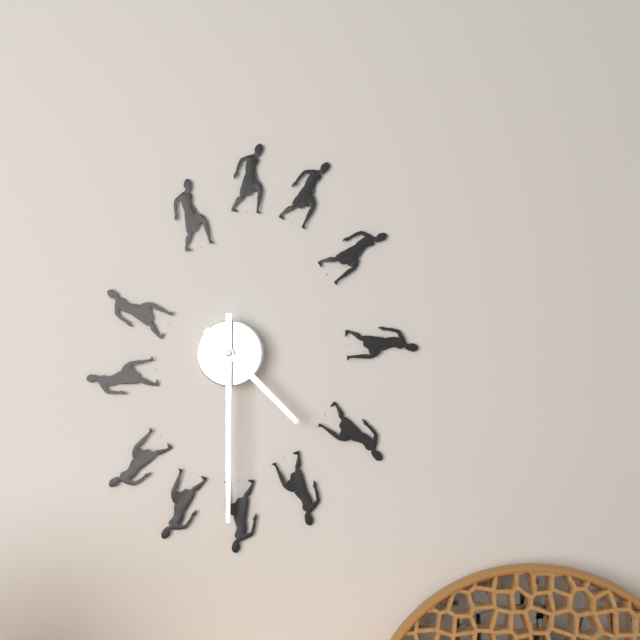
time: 4:30
